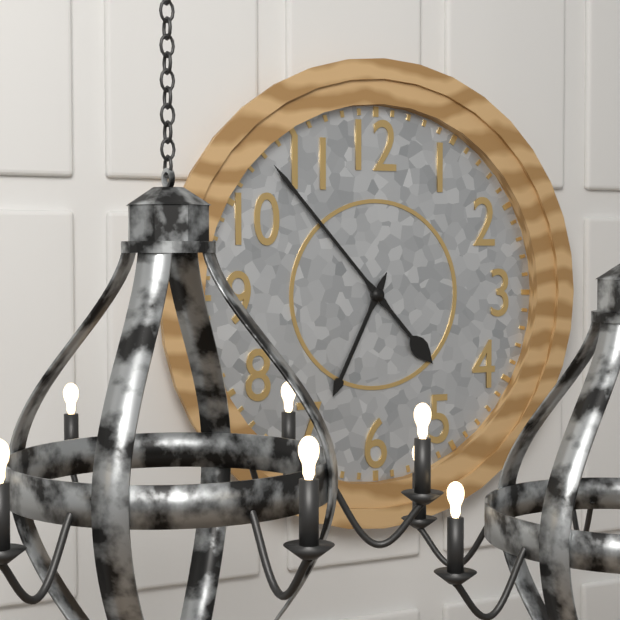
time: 6:53
